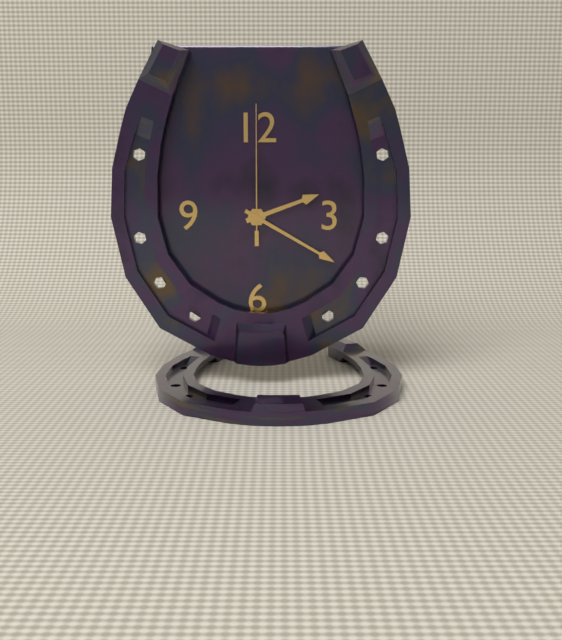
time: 2:20:00
